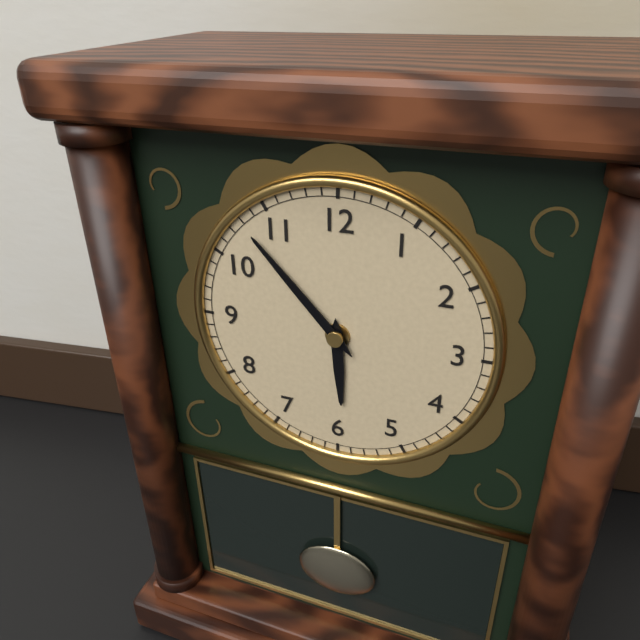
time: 5:53
